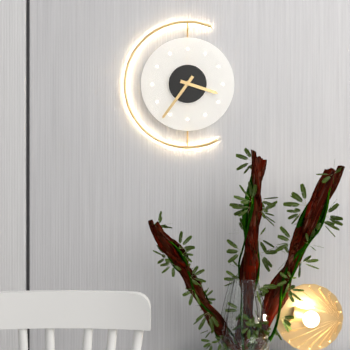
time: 3:36
